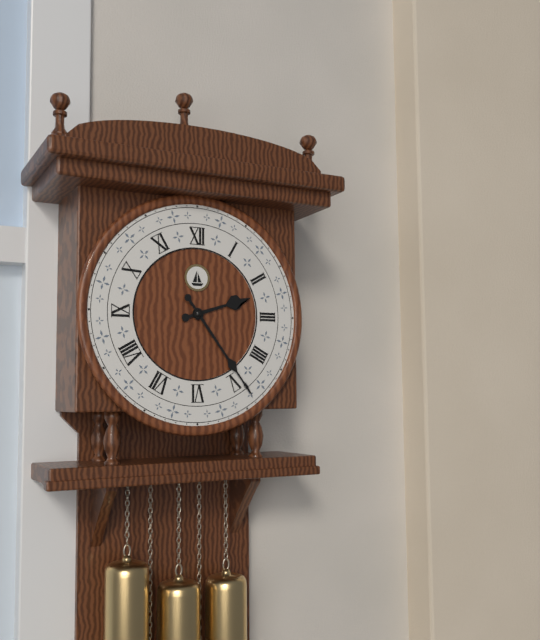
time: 2:24
